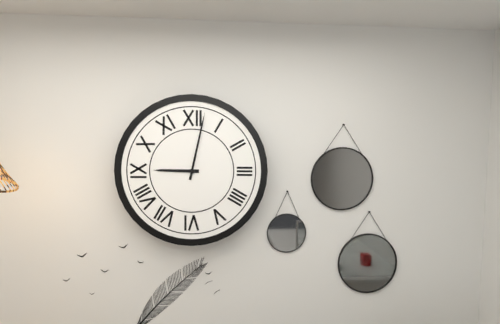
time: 9:02
